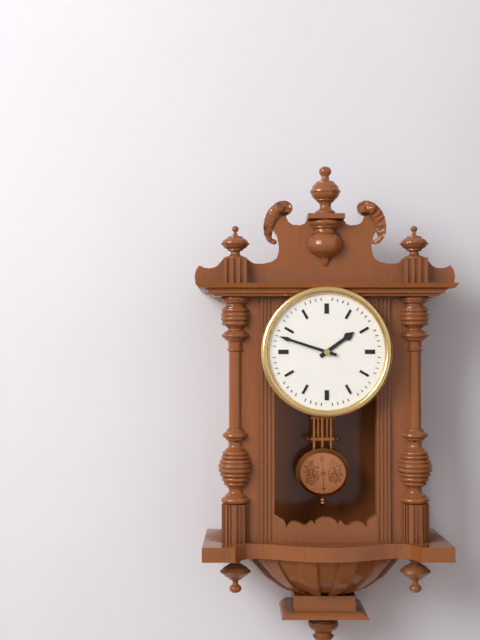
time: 1:48
